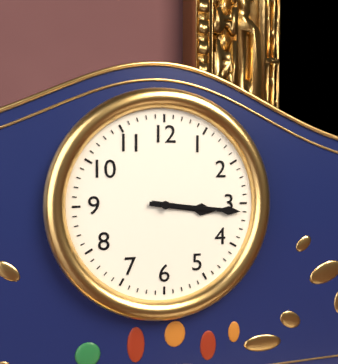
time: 3:16
